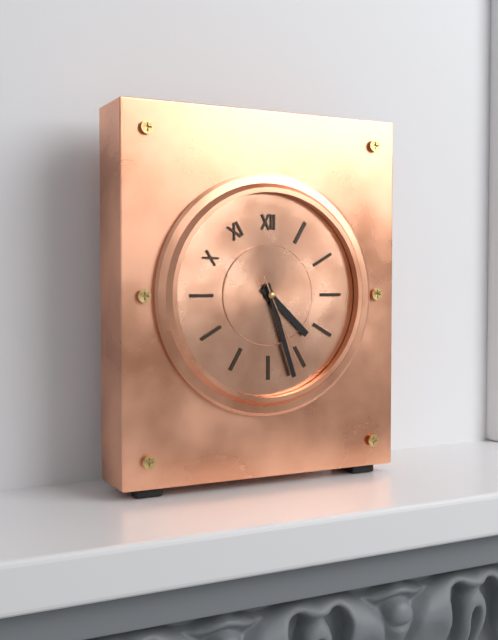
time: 4:27:26
